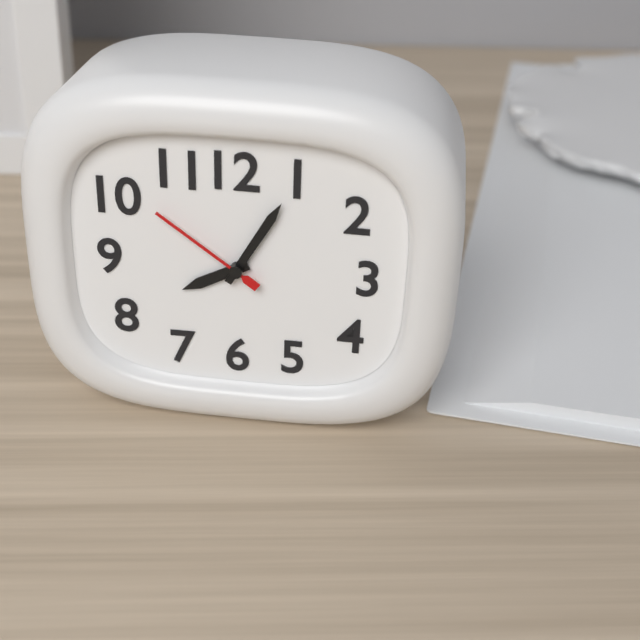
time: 8:05:51
